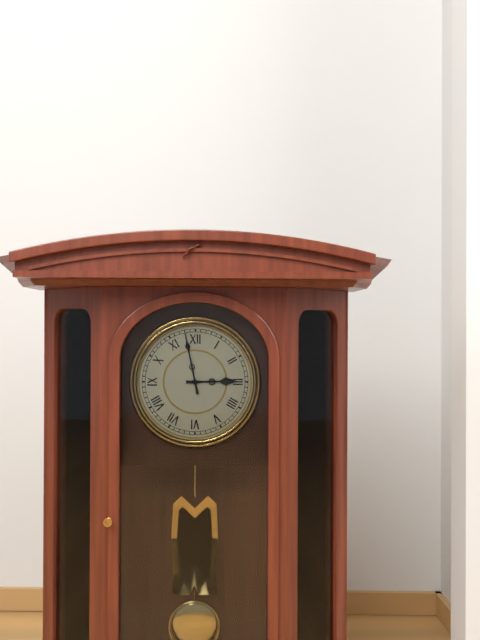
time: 2:58
